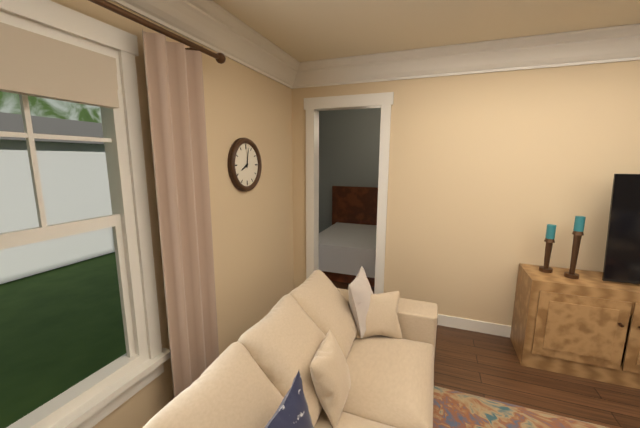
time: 8:02
